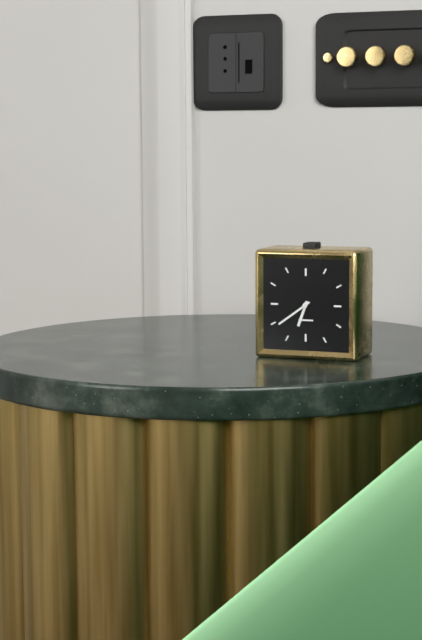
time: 6:39
